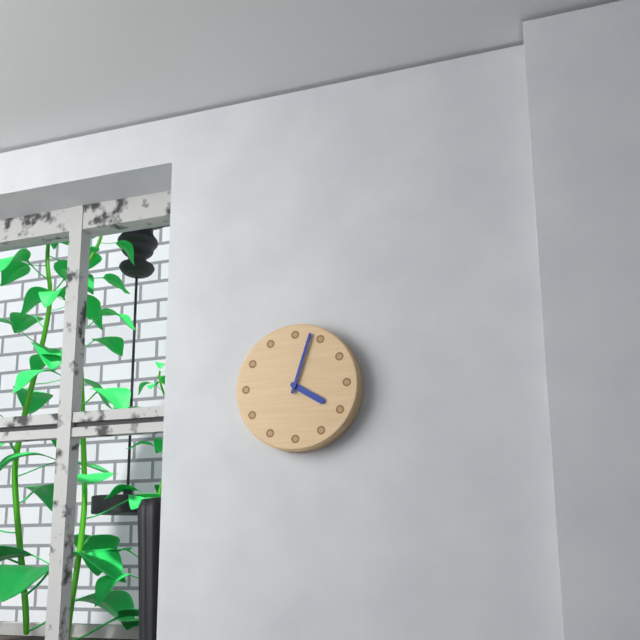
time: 4:03
